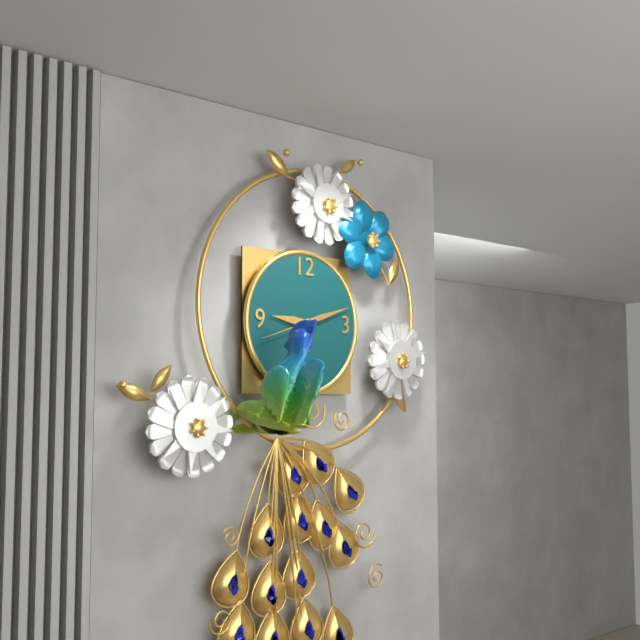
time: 9:12:42
